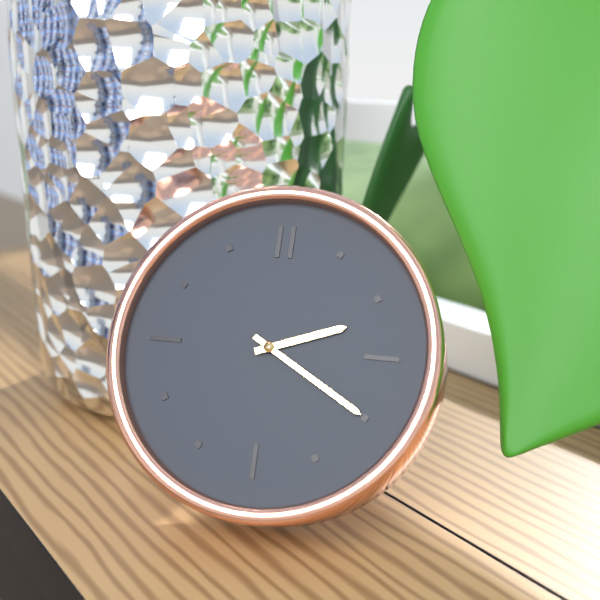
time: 2:20
